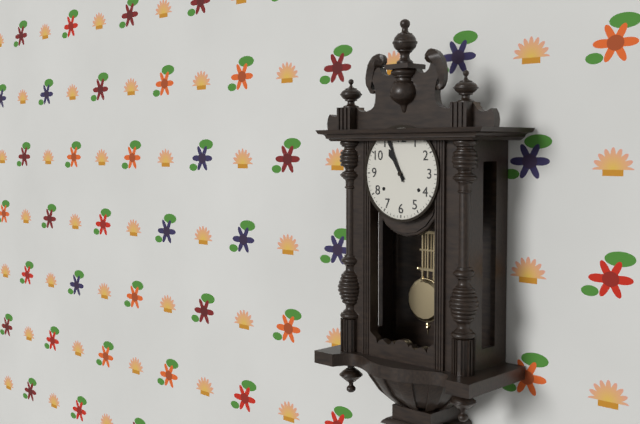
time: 10:56
